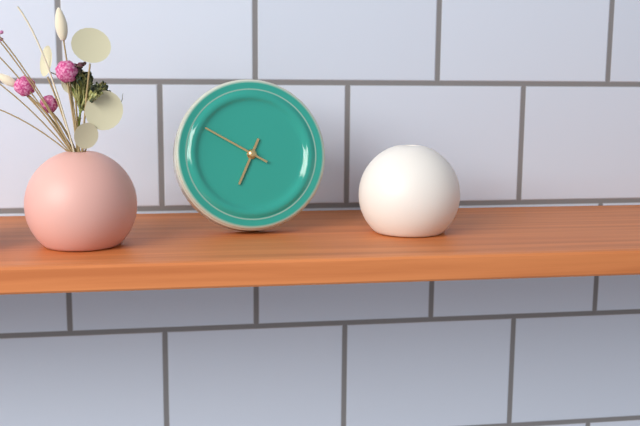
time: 6:50
